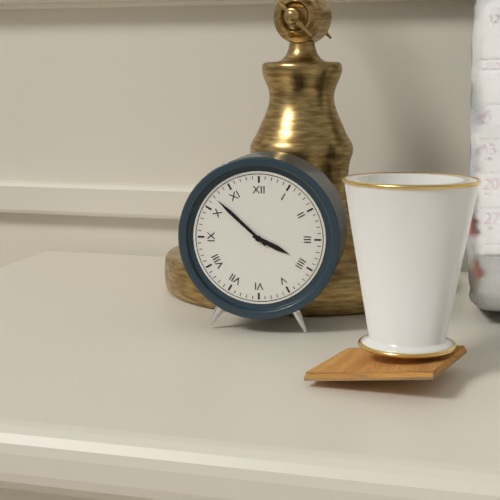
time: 3:52
